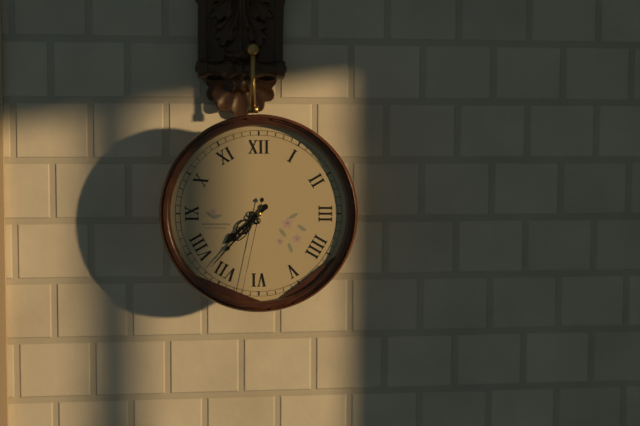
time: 7:37:32
